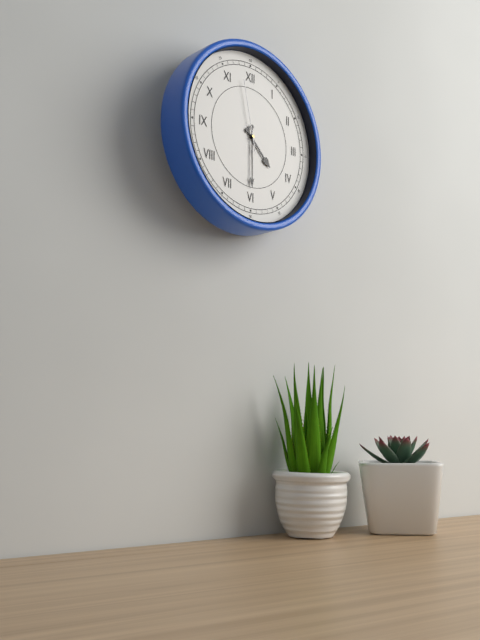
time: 4:30:58
